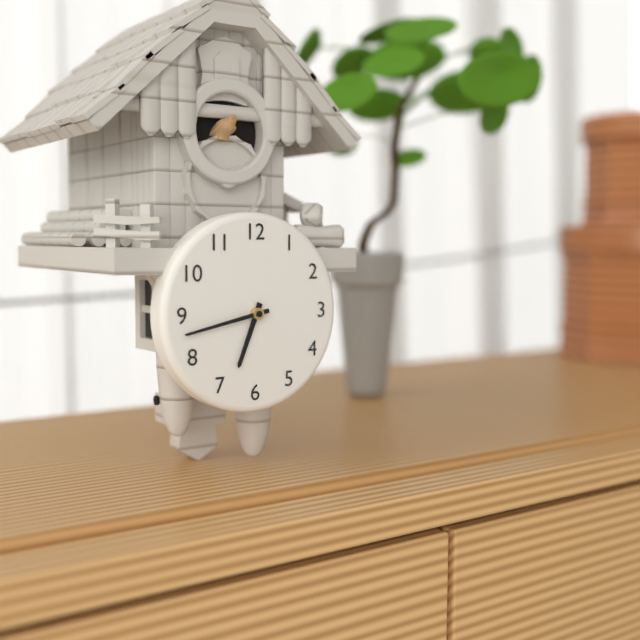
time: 6:43
